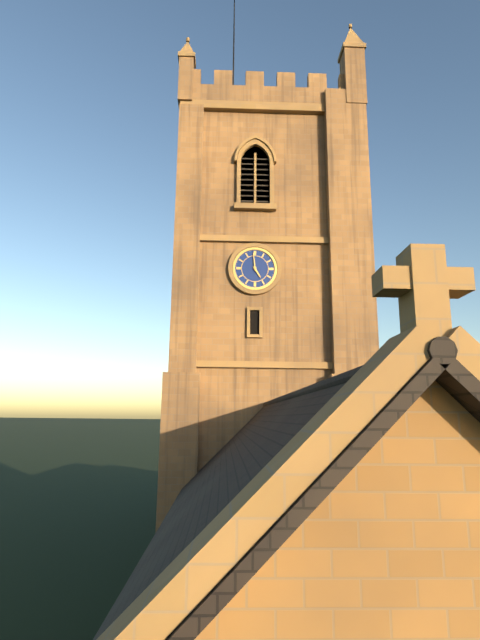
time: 4:59
